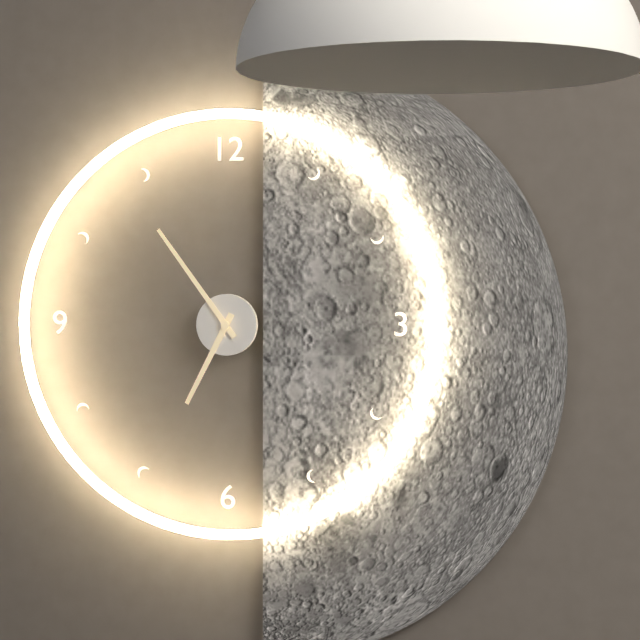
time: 6:54
